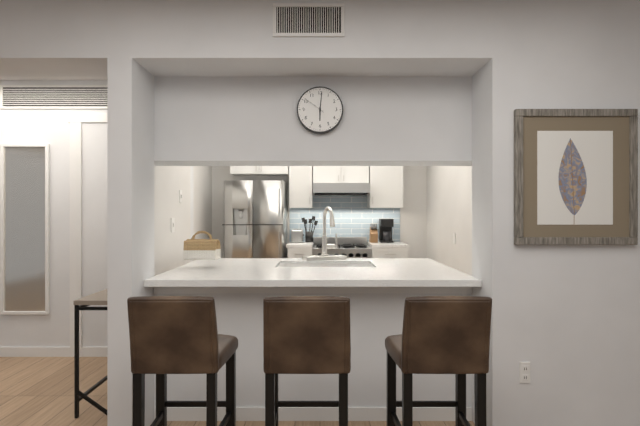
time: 6:01
